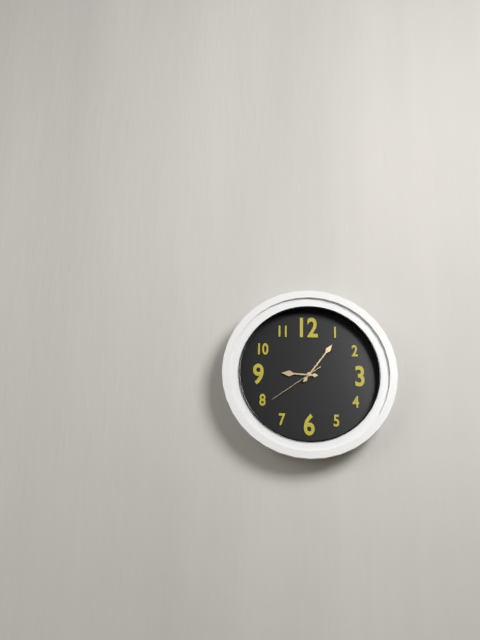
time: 9:06:39
